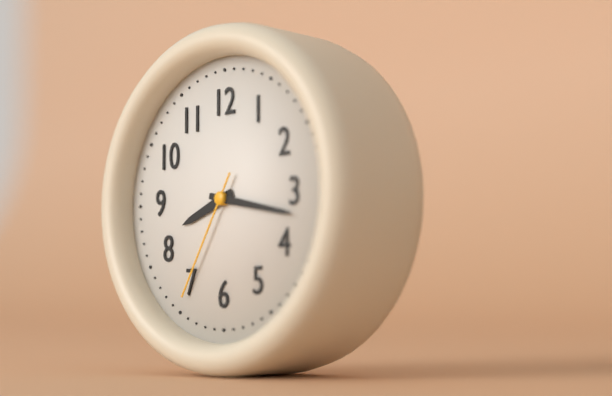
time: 8:17:35
